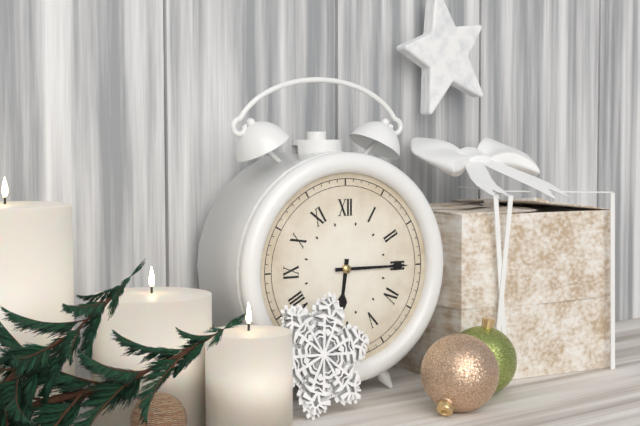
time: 6:15
